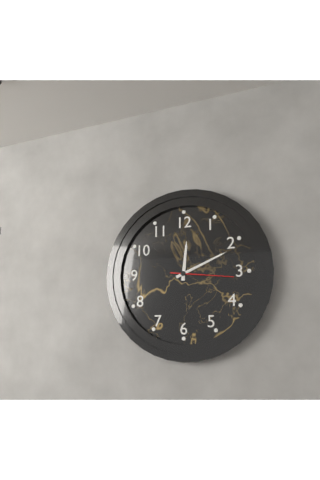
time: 12:11:16
